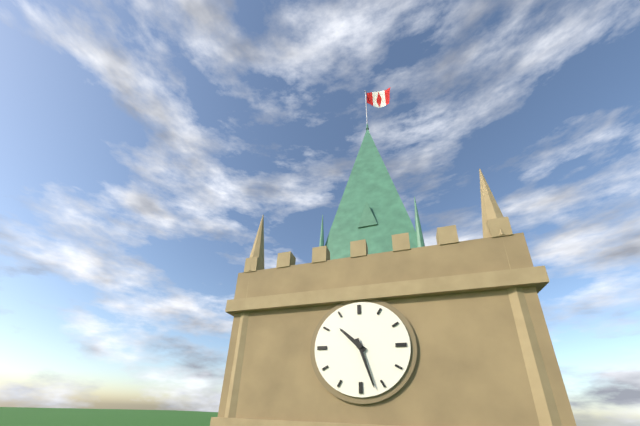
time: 10:27
